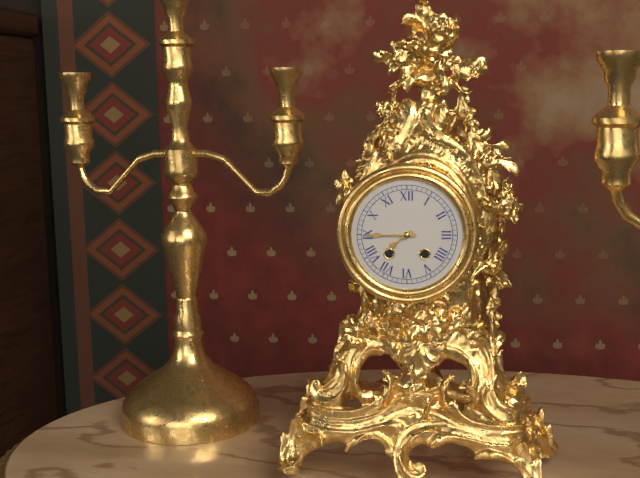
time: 7:45
